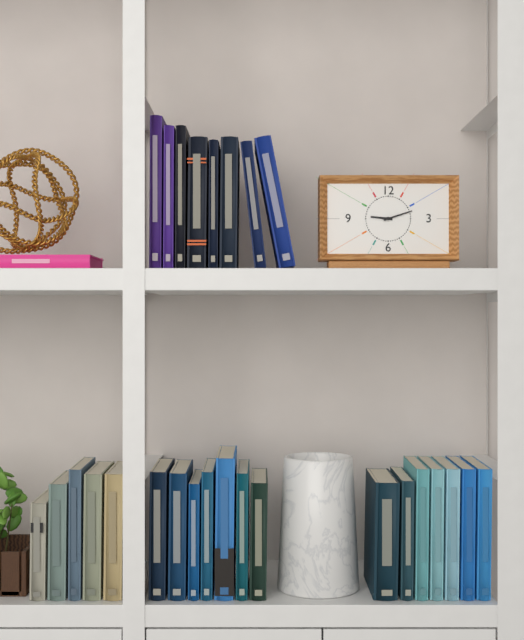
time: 9:12
